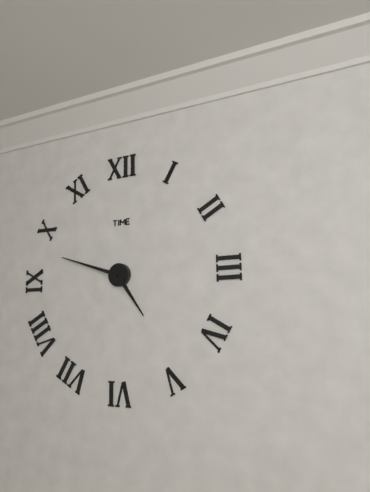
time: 4:48
